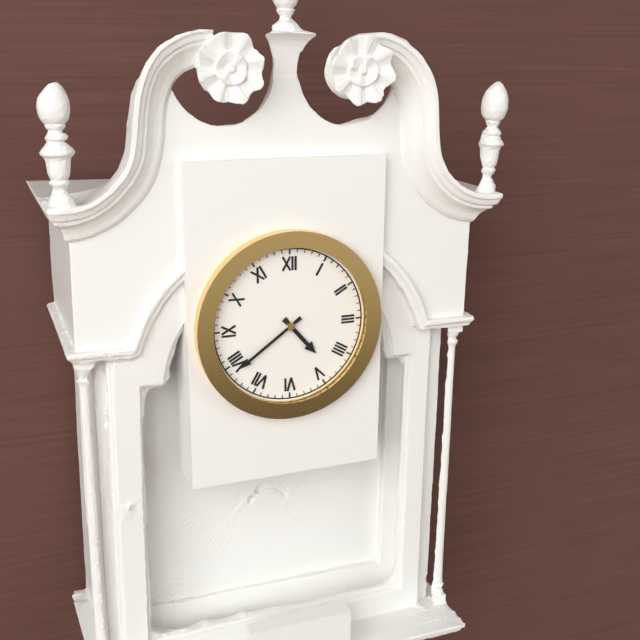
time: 4:39
